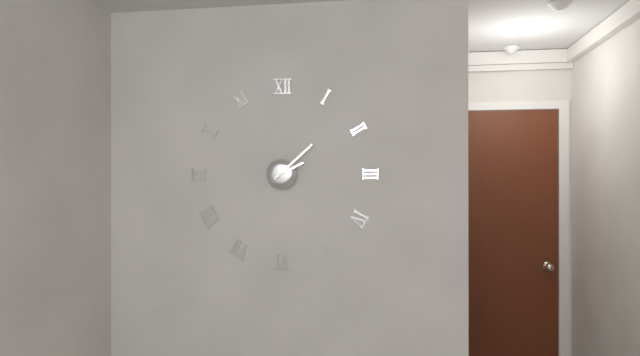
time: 2:08
